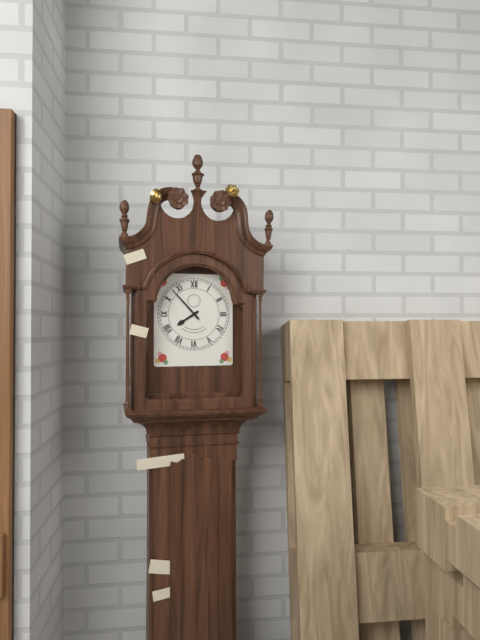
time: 7:53
